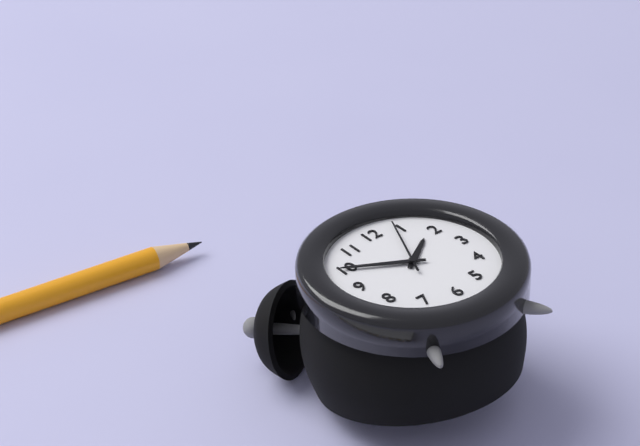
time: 1:50:04
